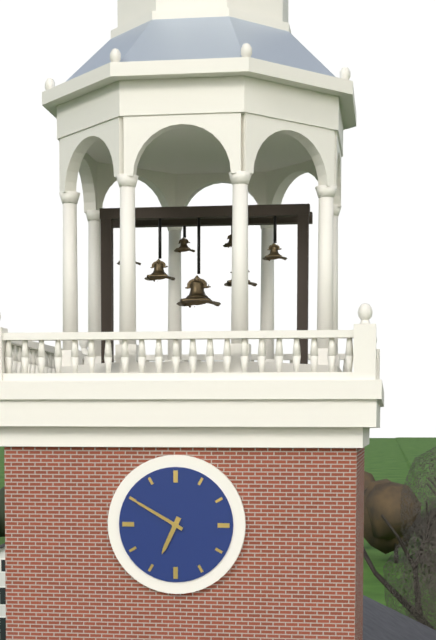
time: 6:50
